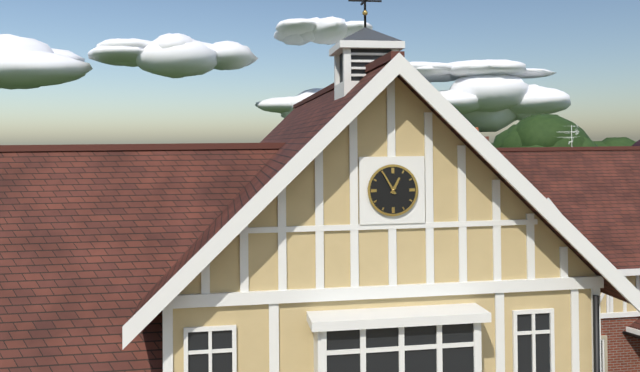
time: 12:55
